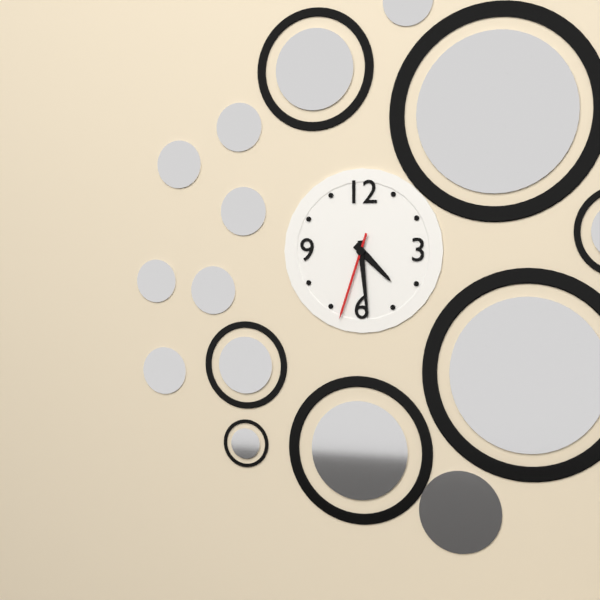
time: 4:29:33
